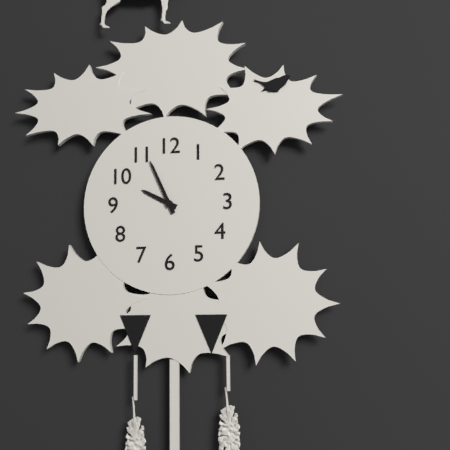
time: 9:56
